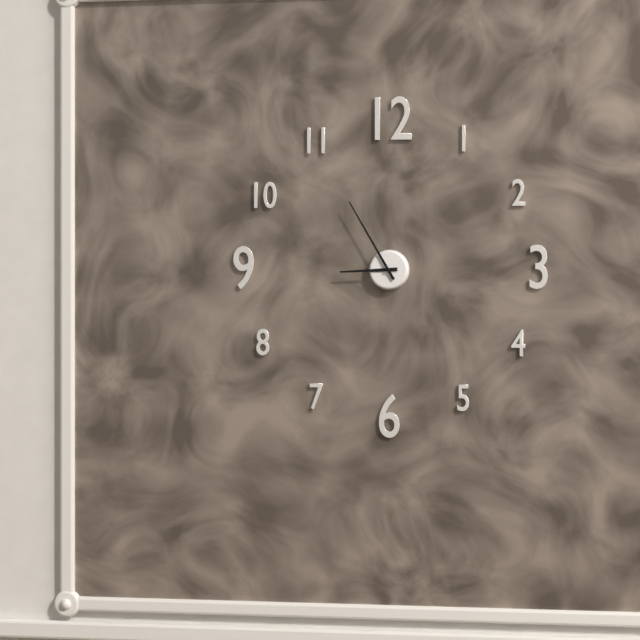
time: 8:55
